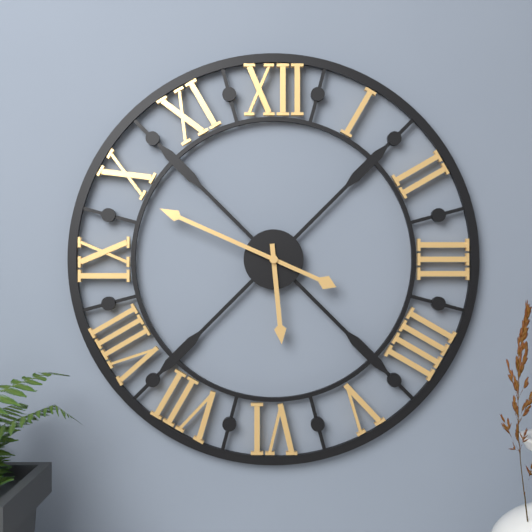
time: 5:49
